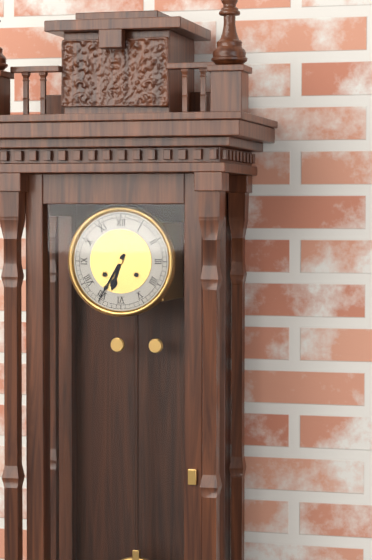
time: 6:35
